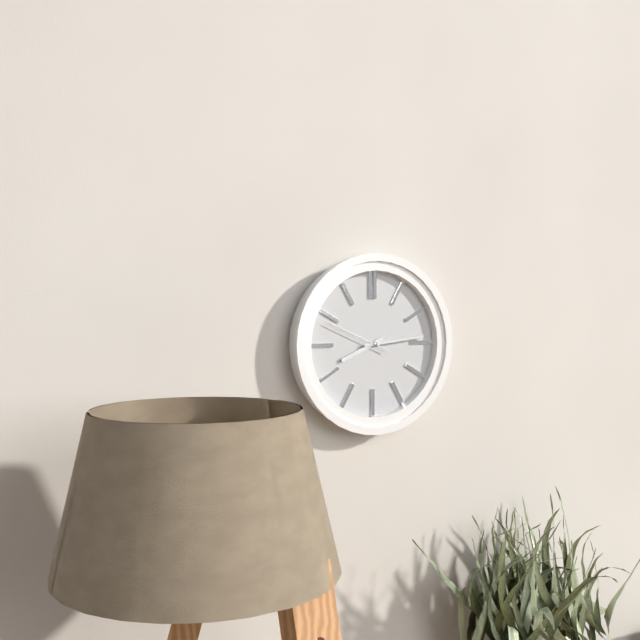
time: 8:14:49
